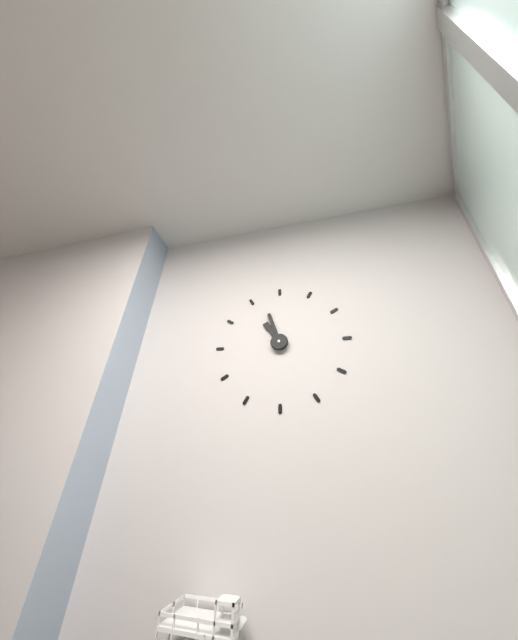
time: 10:57
